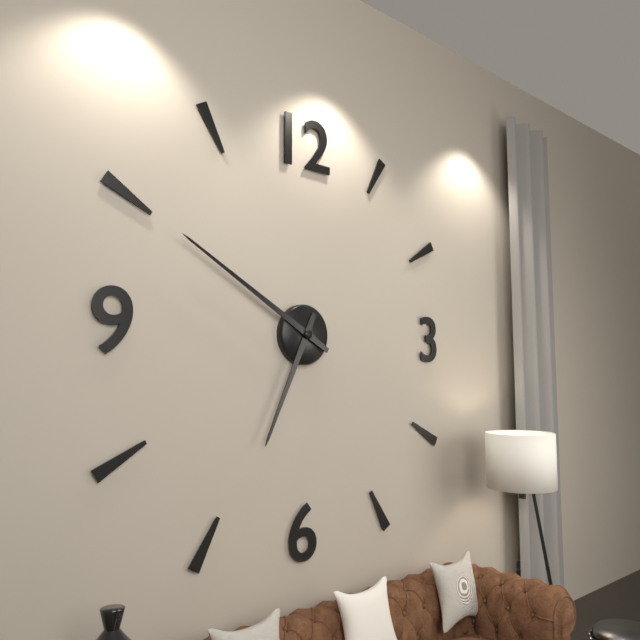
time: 6:50
